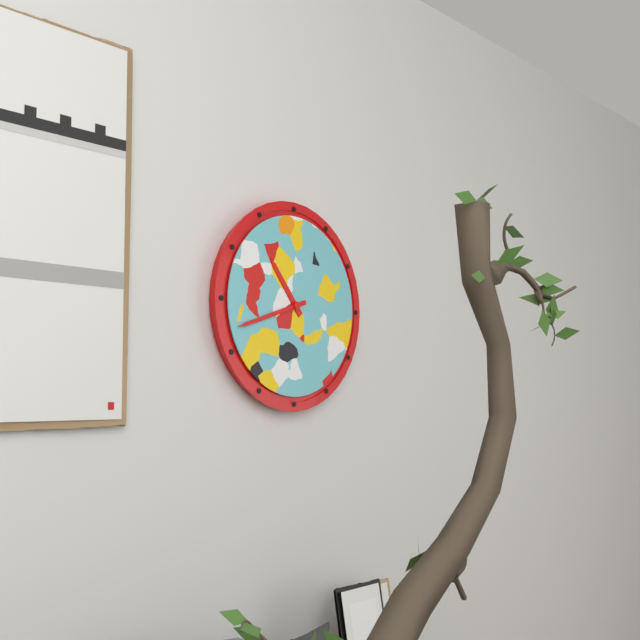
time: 10:42
